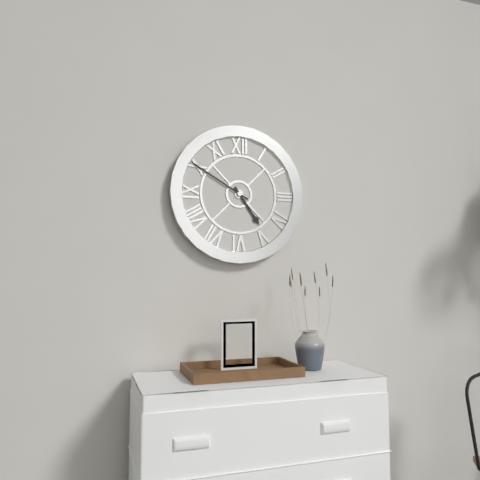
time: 4:50
